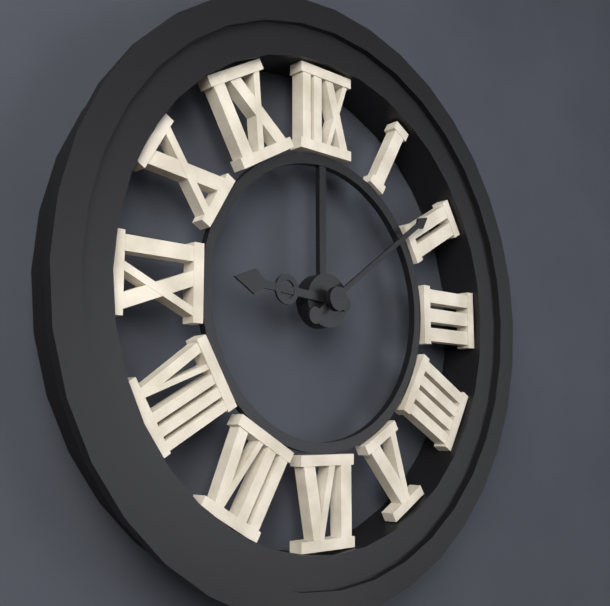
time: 9:09
